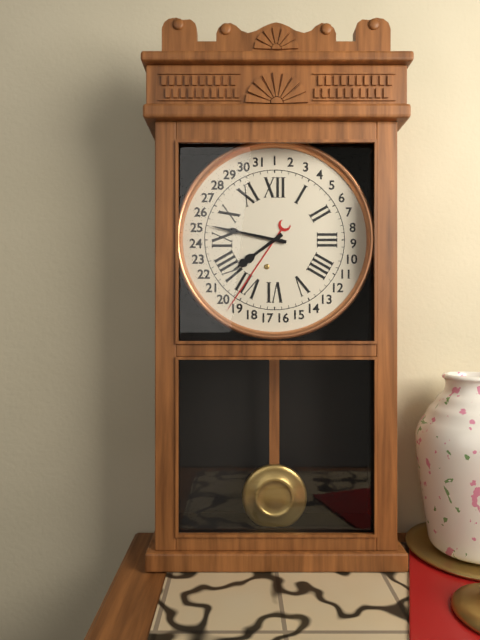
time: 7:47
